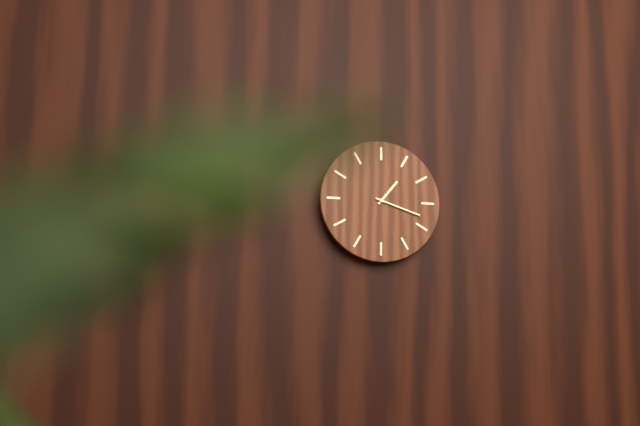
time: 1:18
